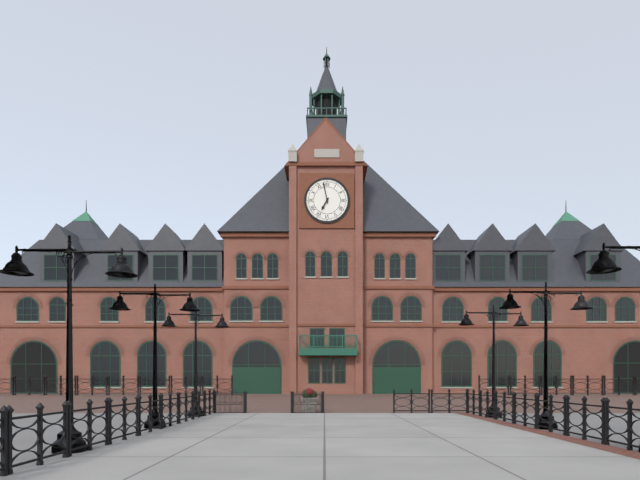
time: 6:58
